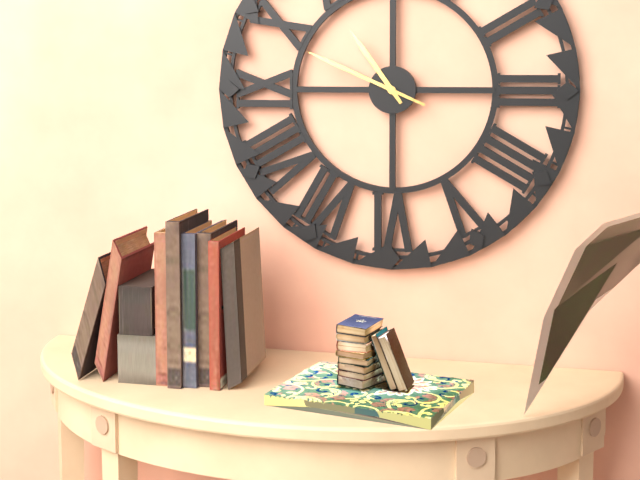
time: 10:49
